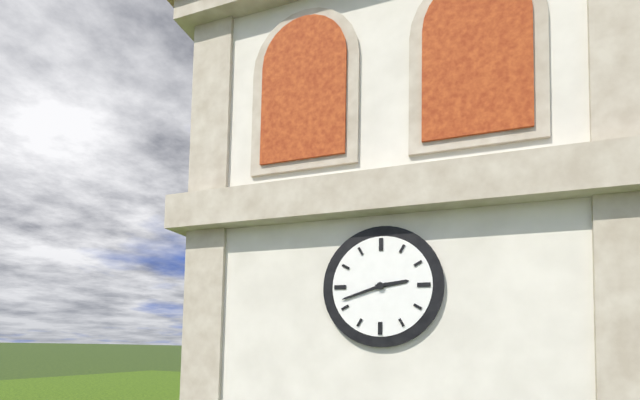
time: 2:42
